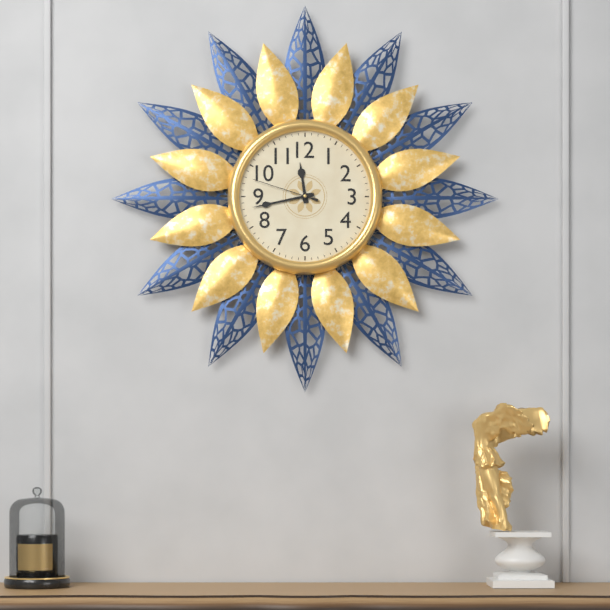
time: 11:43:48
